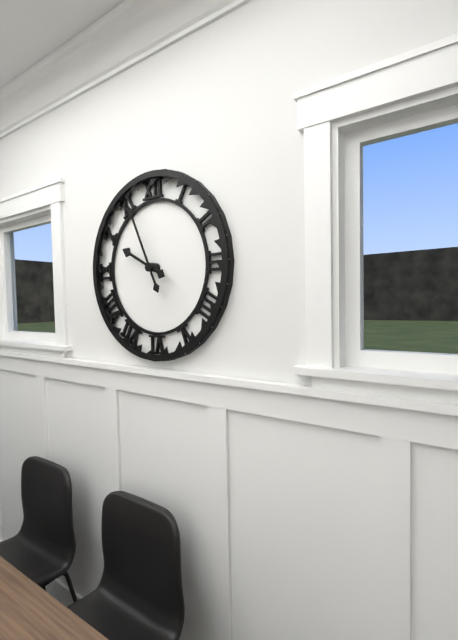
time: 9:56
